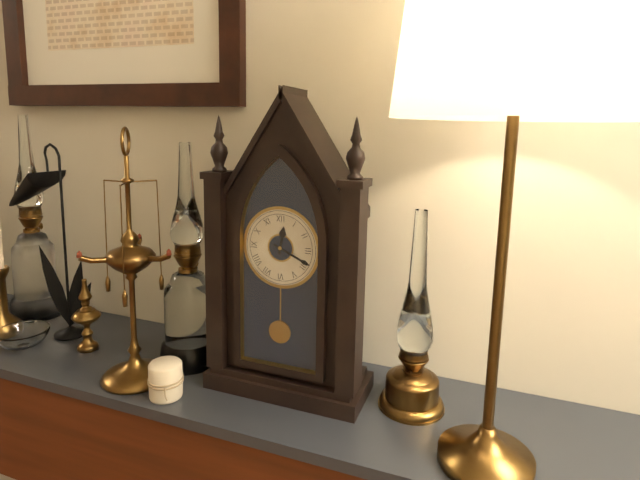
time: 12:19
